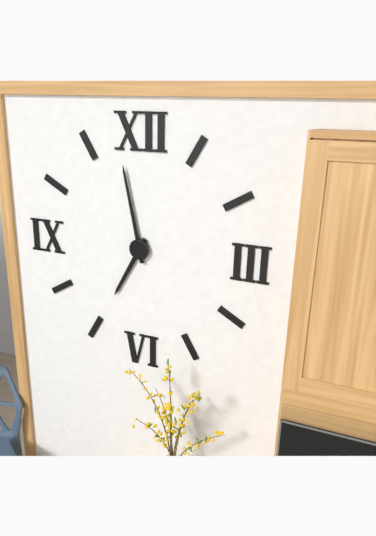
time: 6:58
